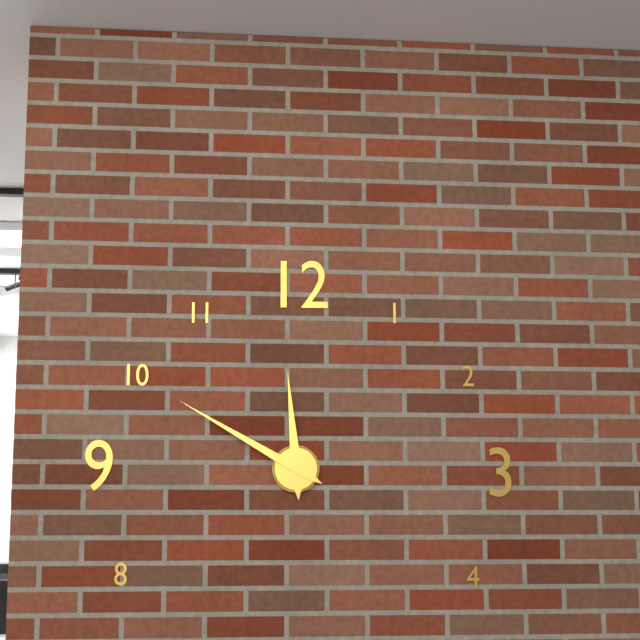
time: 11:50
